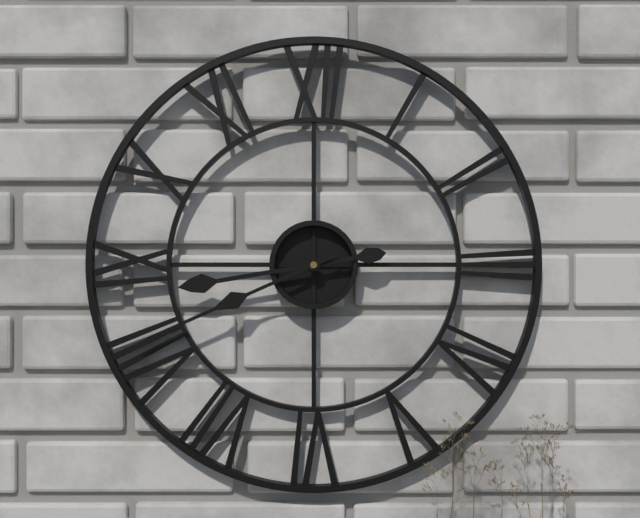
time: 8:41
